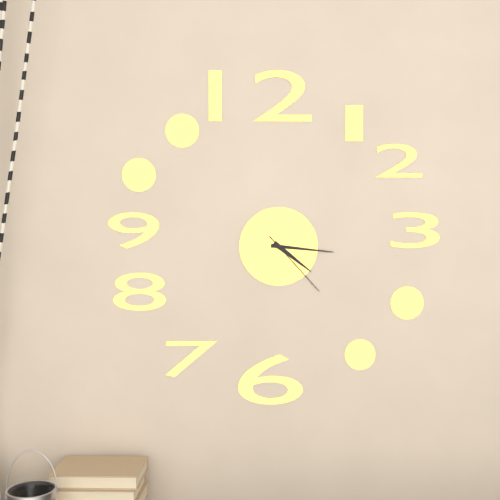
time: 4:16:23
